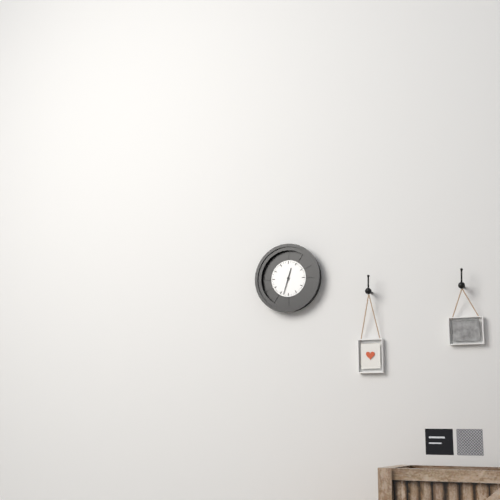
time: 12:33
